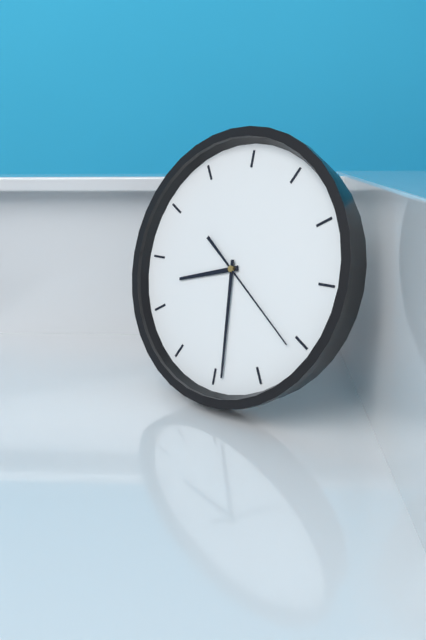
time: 8:29:21
